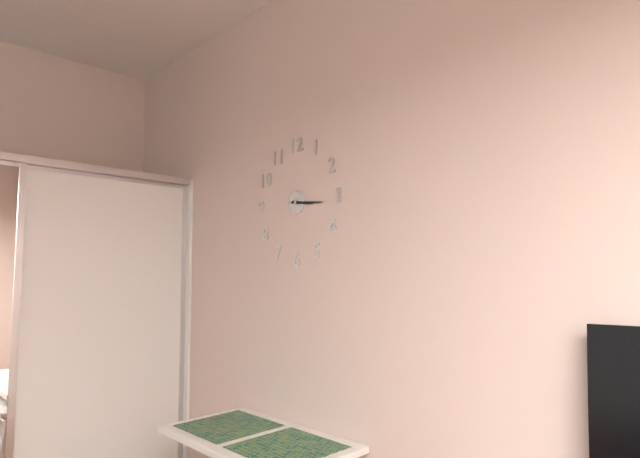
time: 3:16
